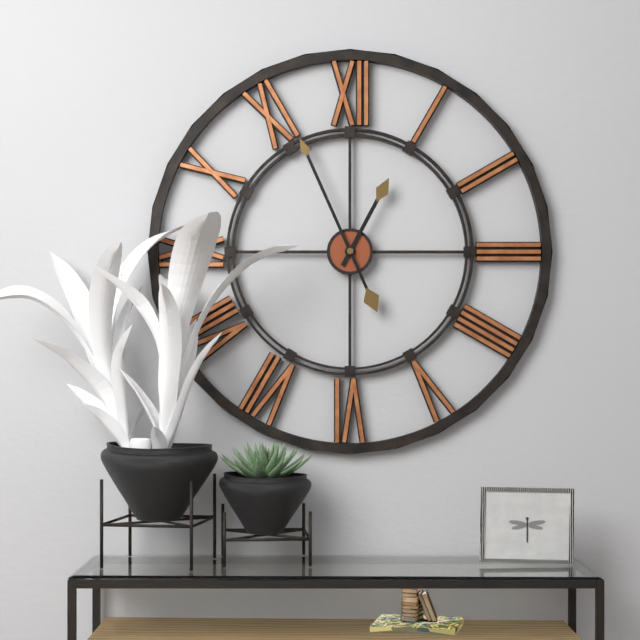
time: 12:56
